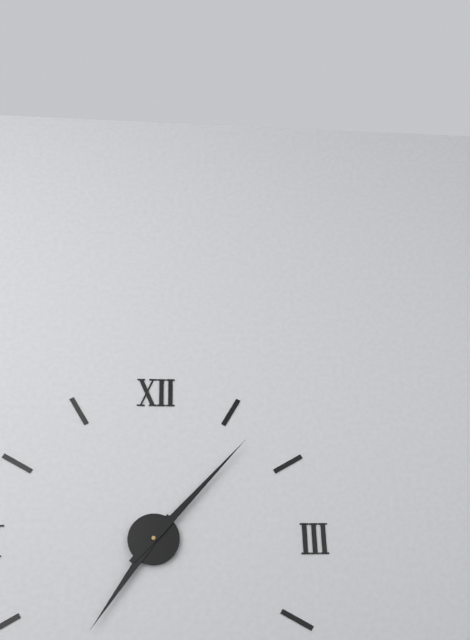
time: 7:07
